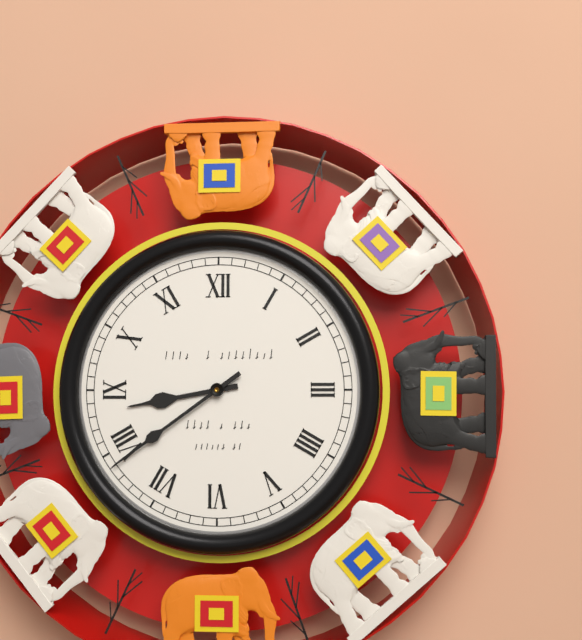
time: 8:39
